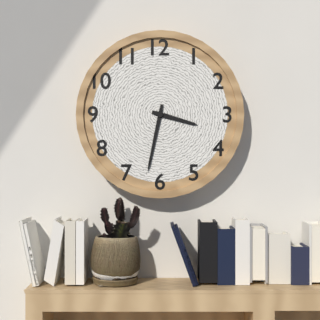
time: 3:32
